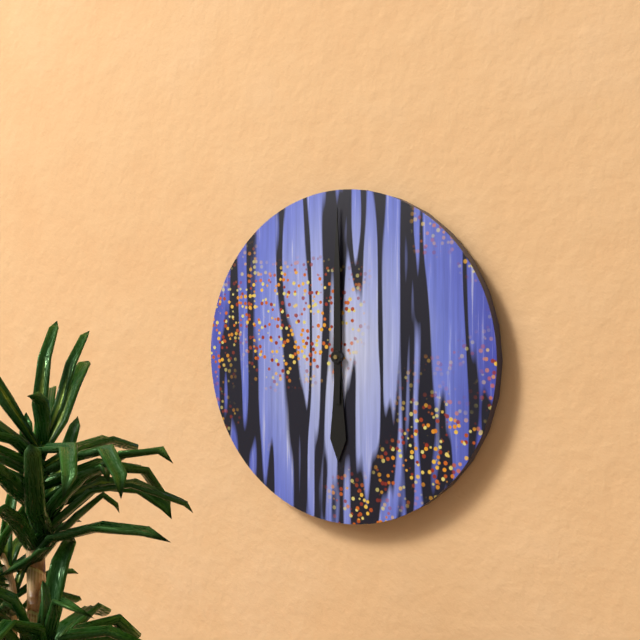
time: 6:00
